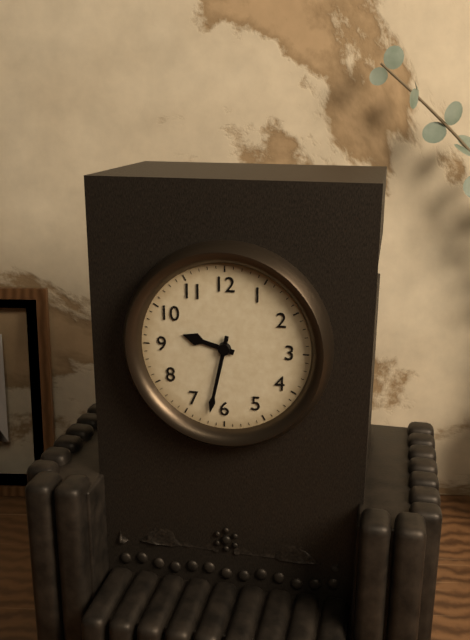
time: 9:32
